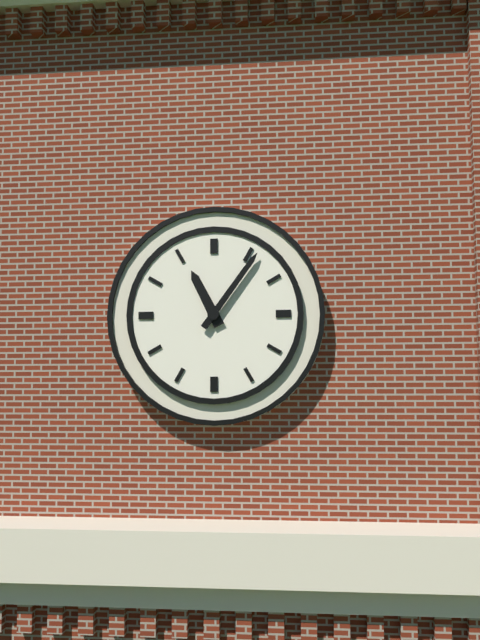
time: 11:06
